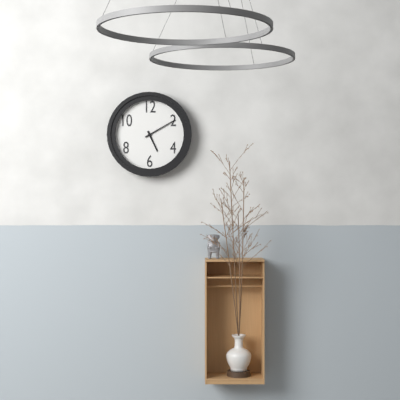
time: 5:10
